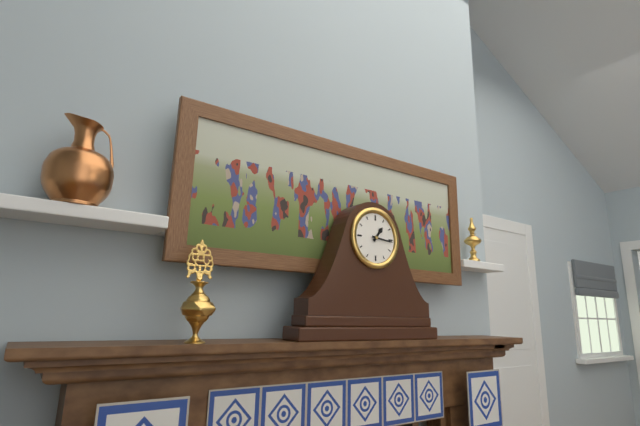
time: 1:16
